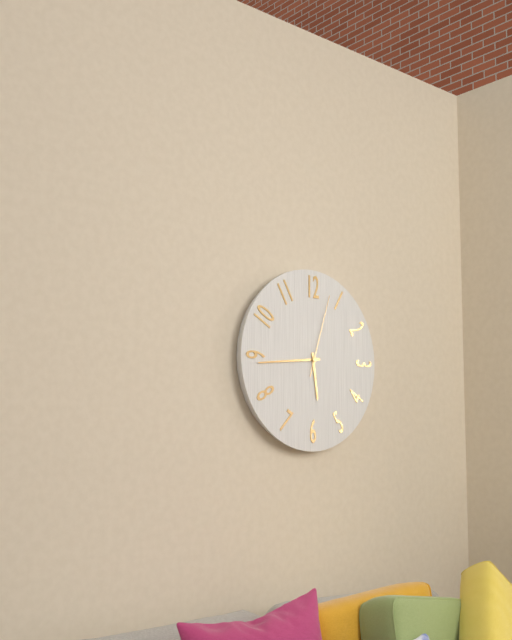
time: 5:44:03
